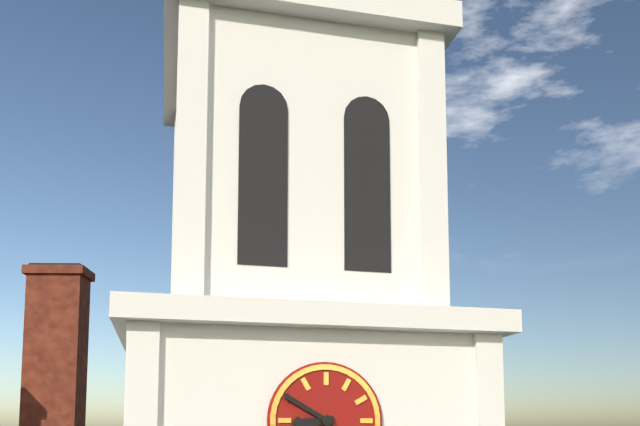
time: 8:50
